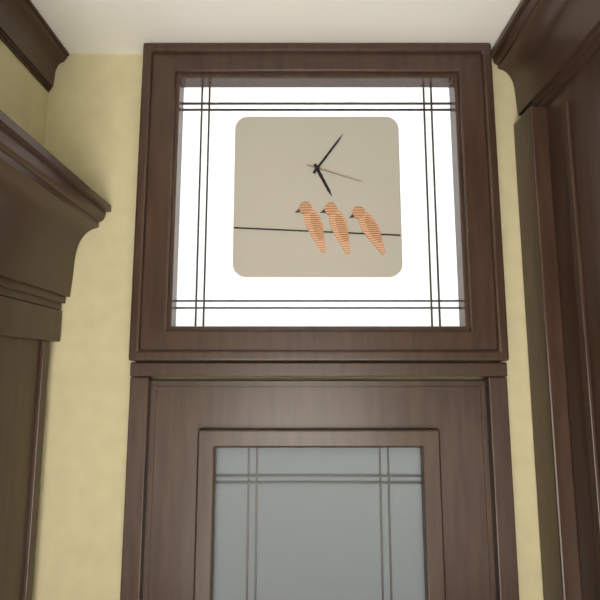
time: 5:06:18
